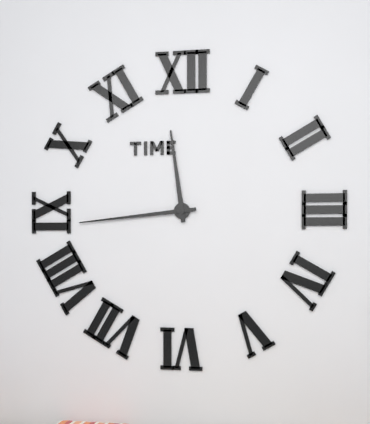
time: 11:44
